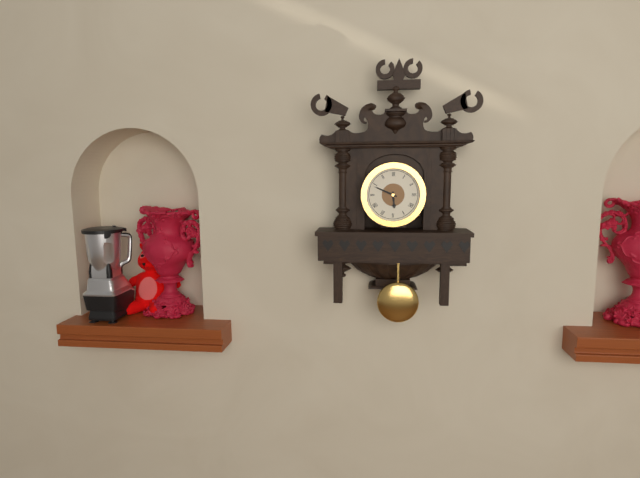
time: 5:49
